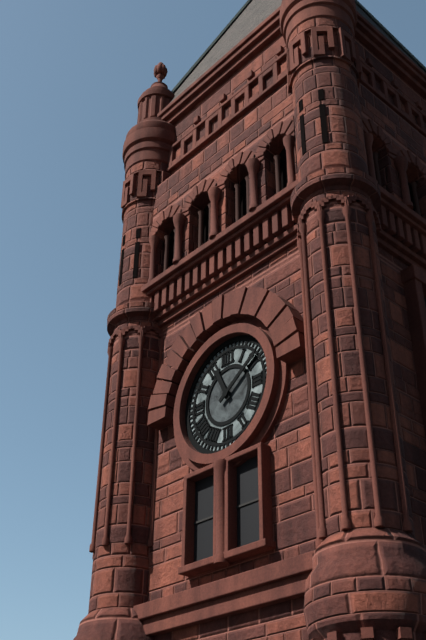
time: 11:09
